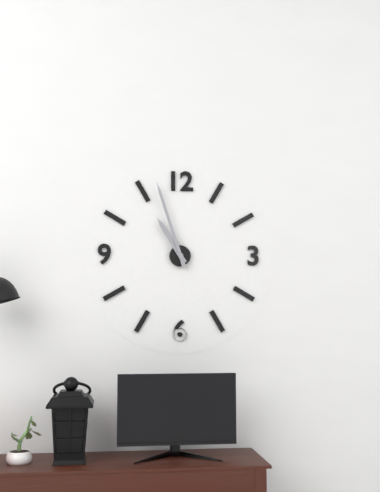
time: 10:57
